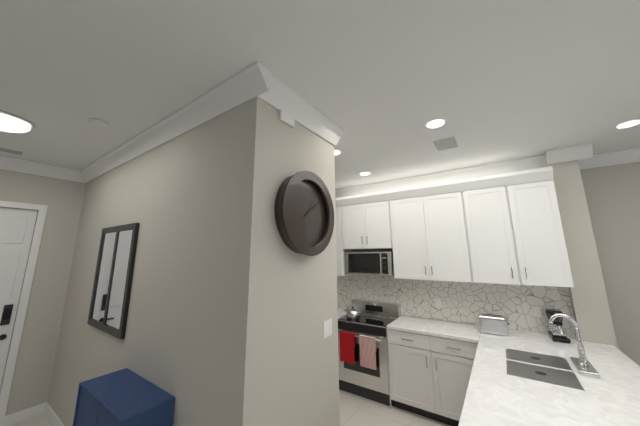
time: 1:09
